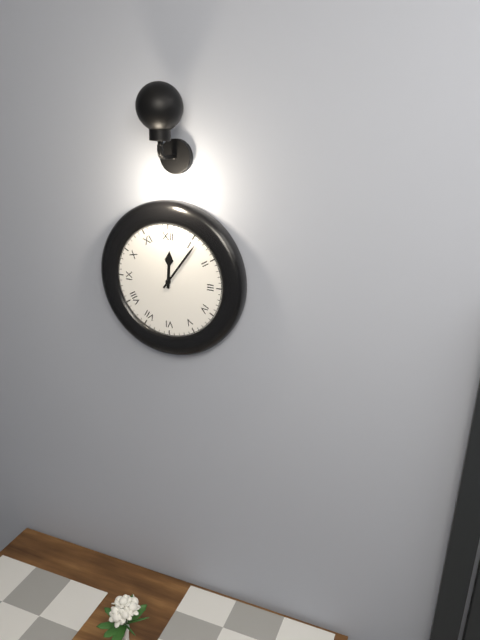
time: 12:06
